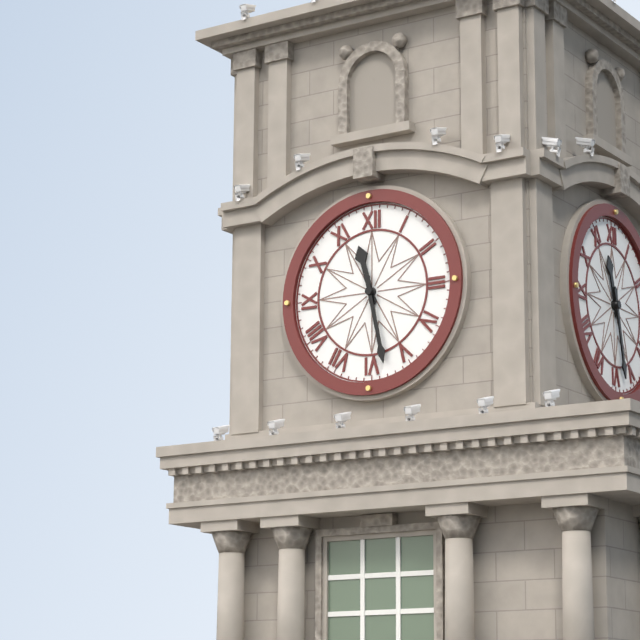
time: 11:28
